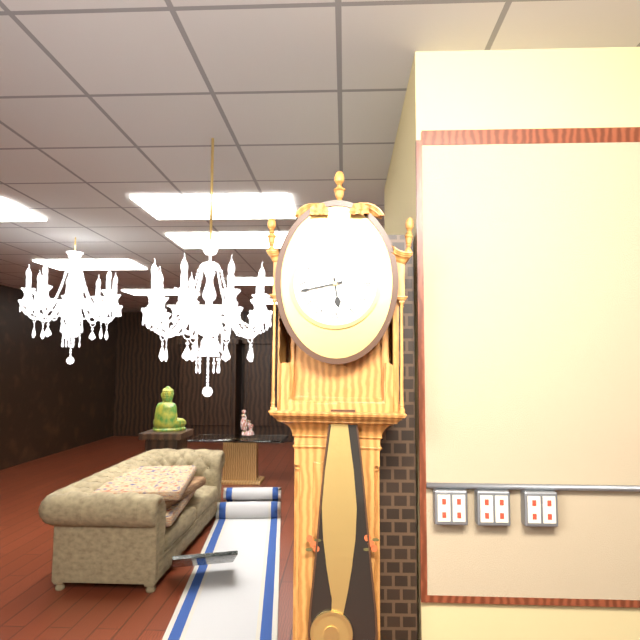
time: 5:43
